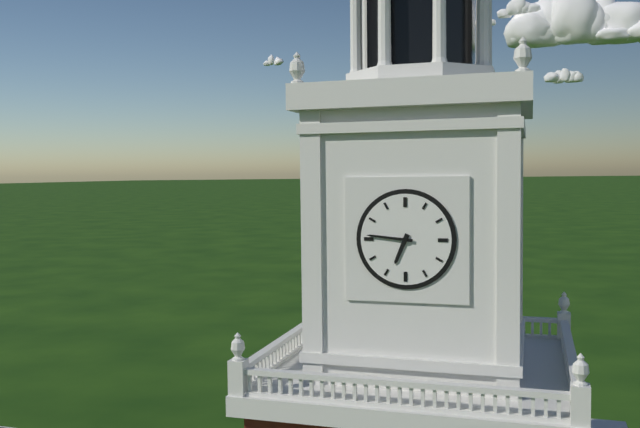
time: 6:46
